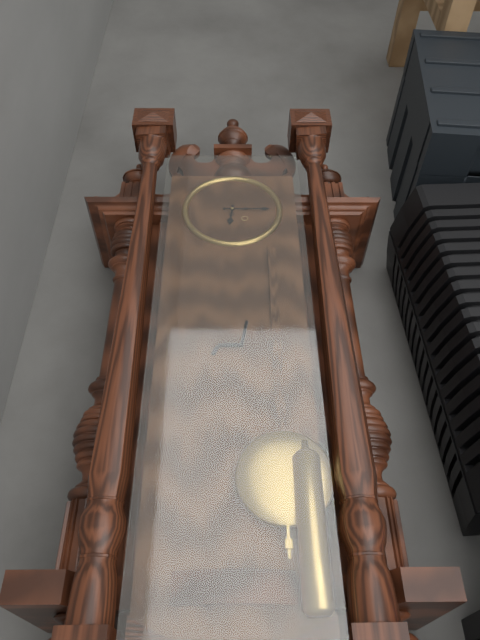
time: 6:15
